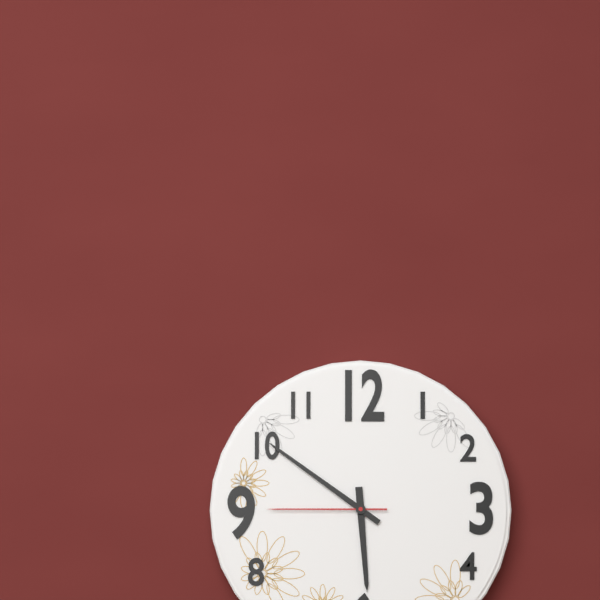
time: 5:51:45
